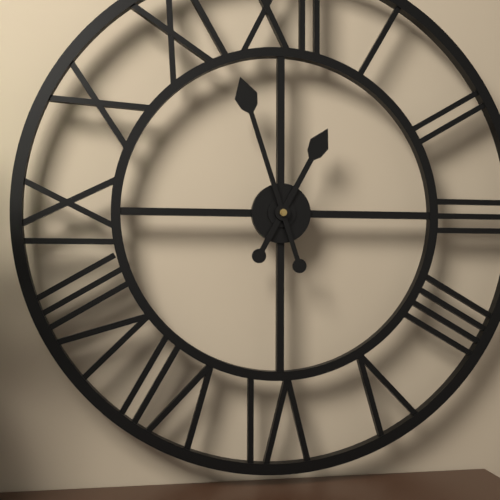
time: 12:57
